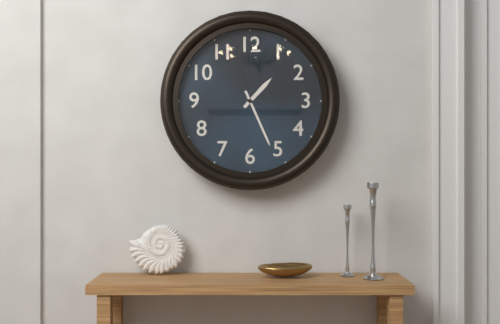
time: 1:26
